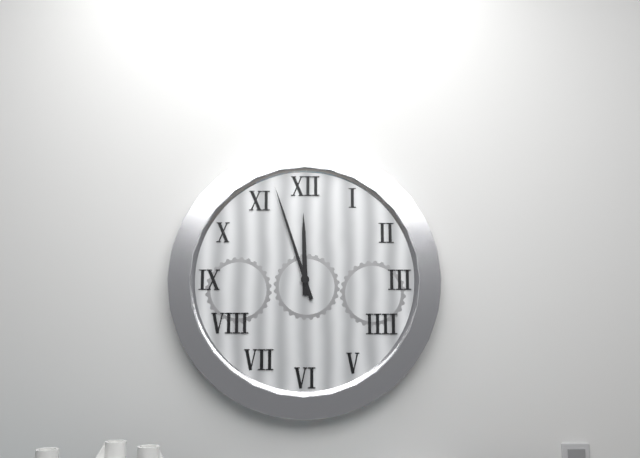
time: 11:57
